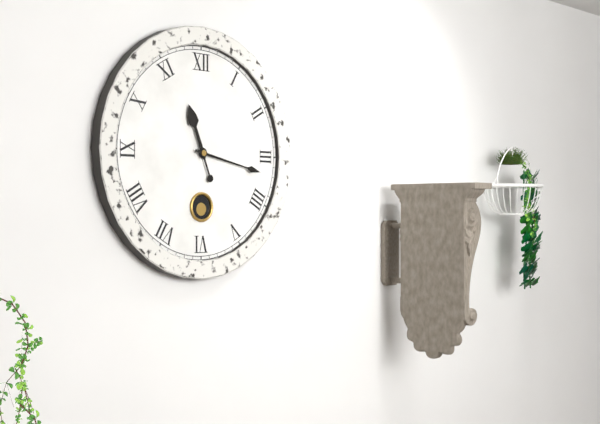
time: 11:17
